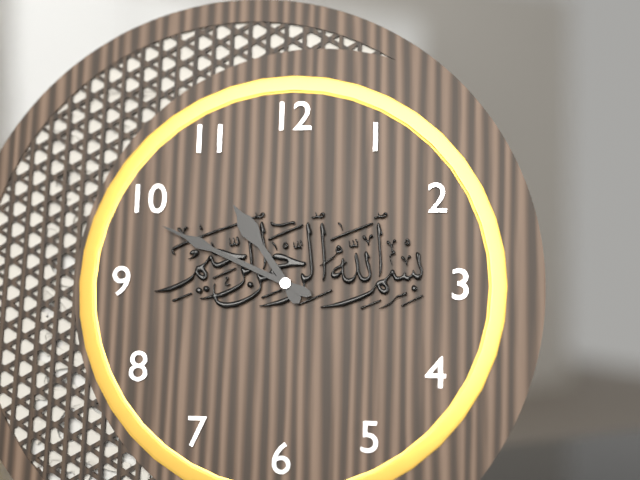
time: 10:49
